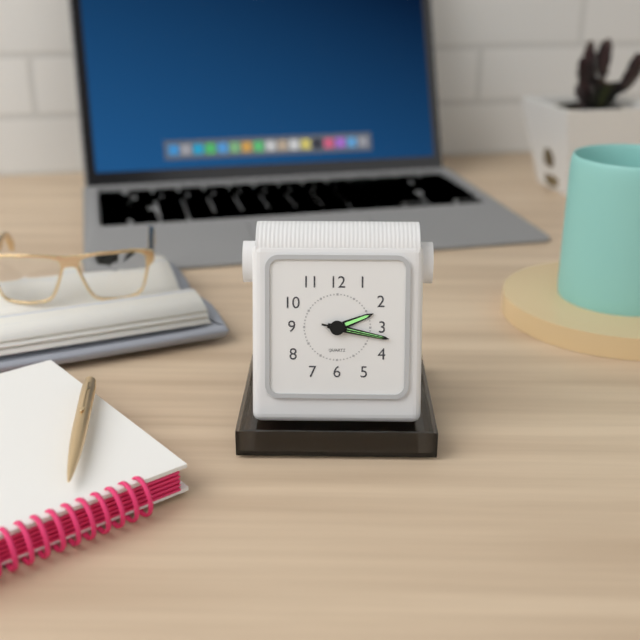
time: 2:17:17
